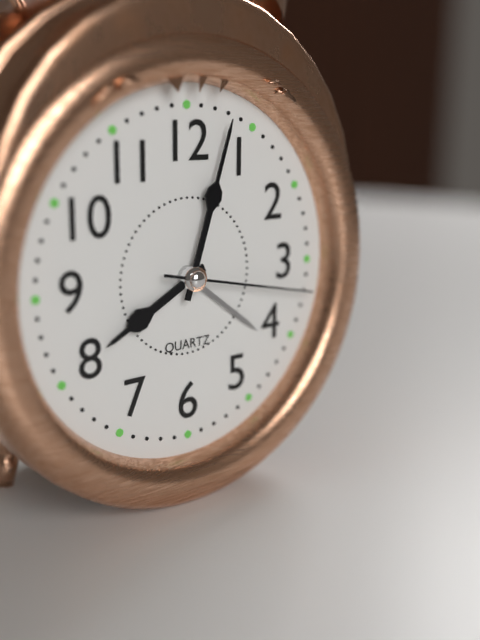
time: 8:03:17
